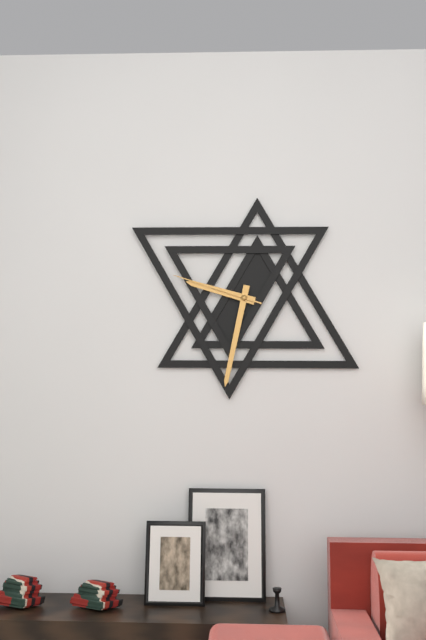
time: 9:32:48
